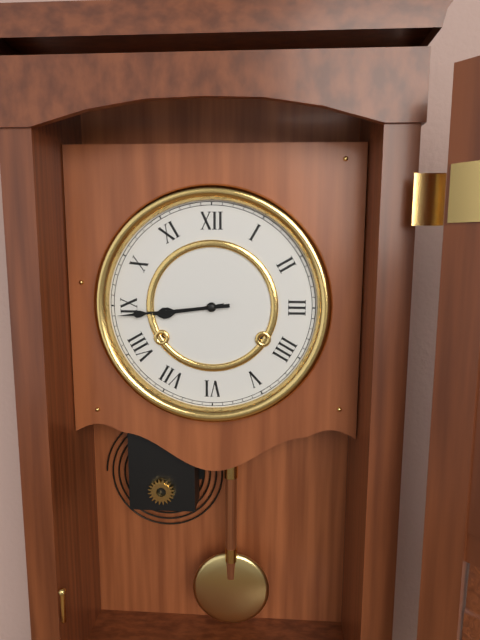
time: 8:44
